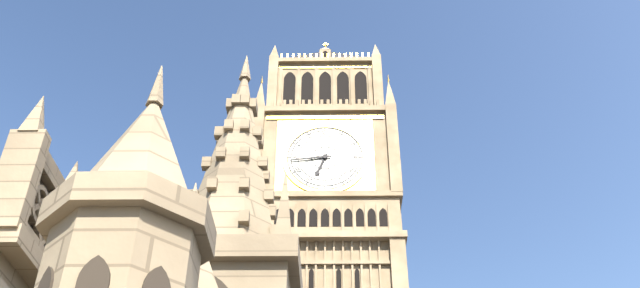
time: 6:44
